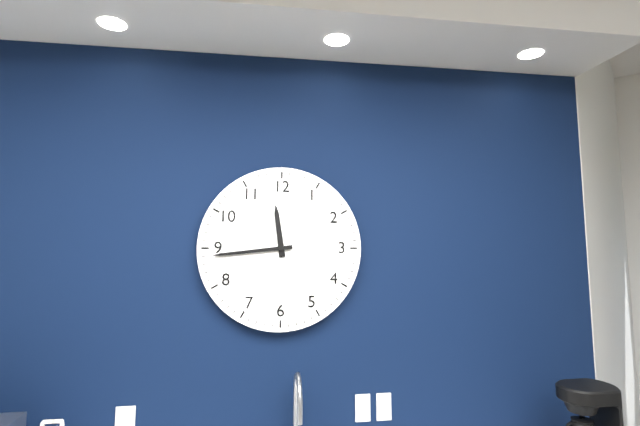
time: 11:44
